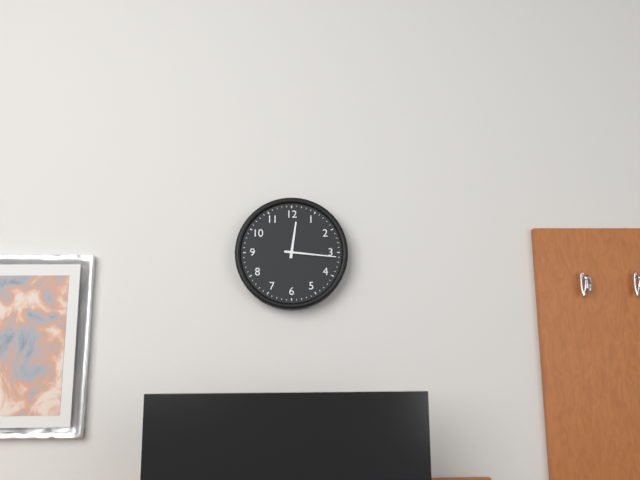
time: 12:16
